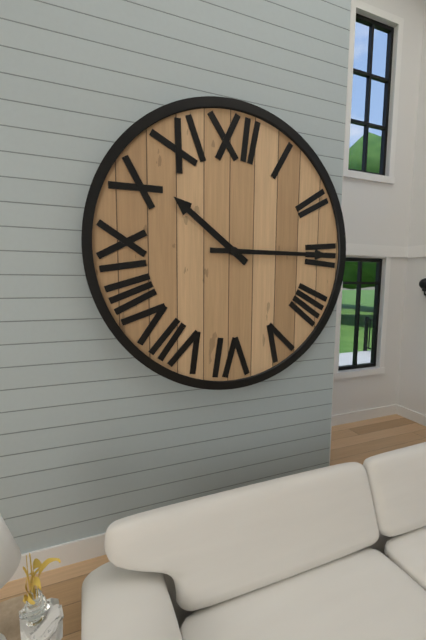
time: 10:15
